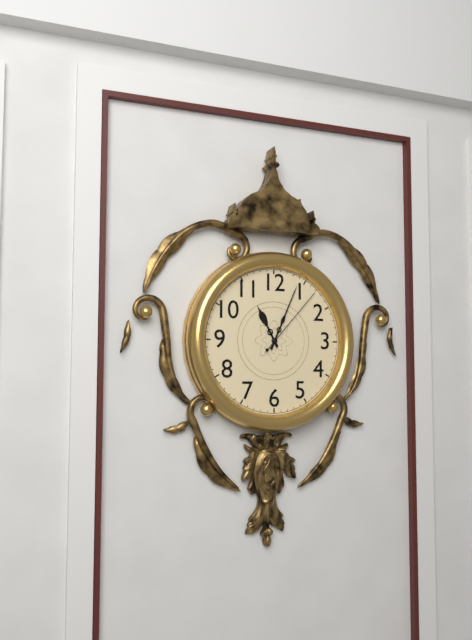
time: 11:04:07
